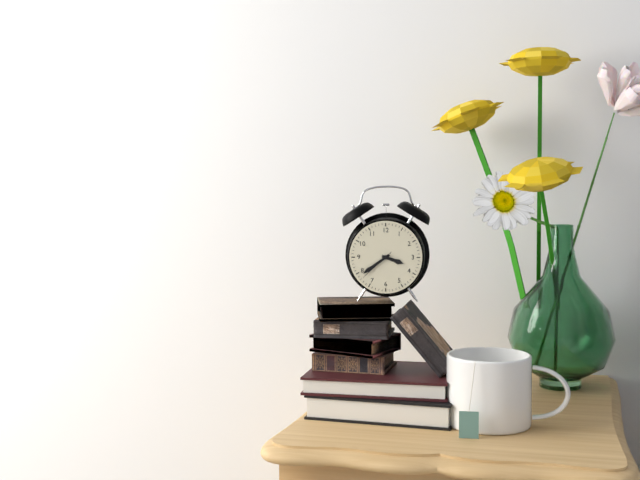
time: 3:39
